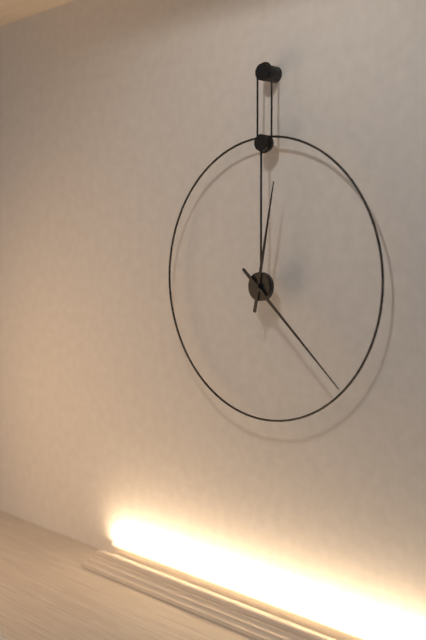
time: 12:22
